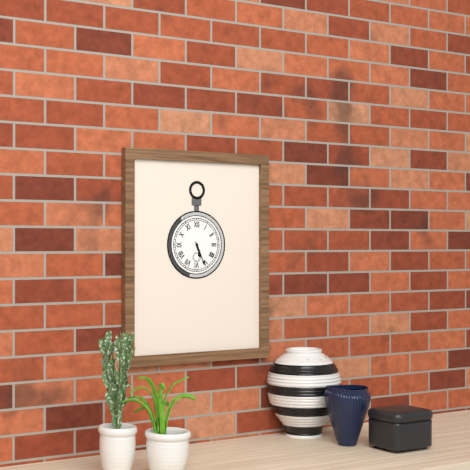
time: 5:26
